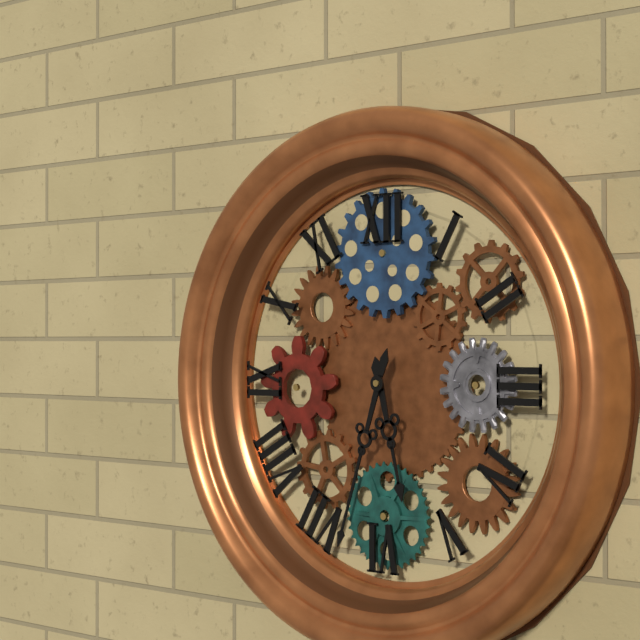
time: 5:33
